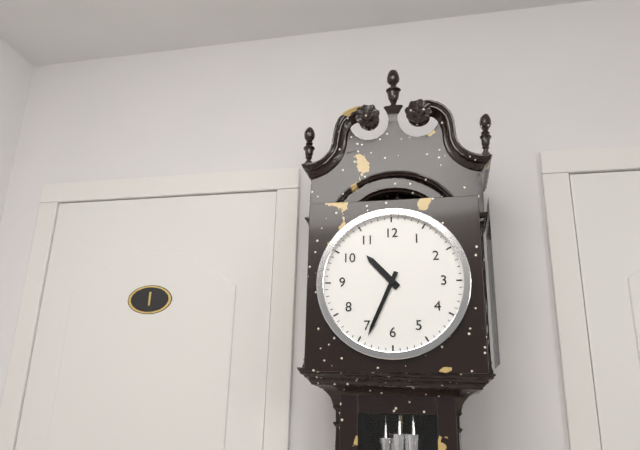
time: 10:34
